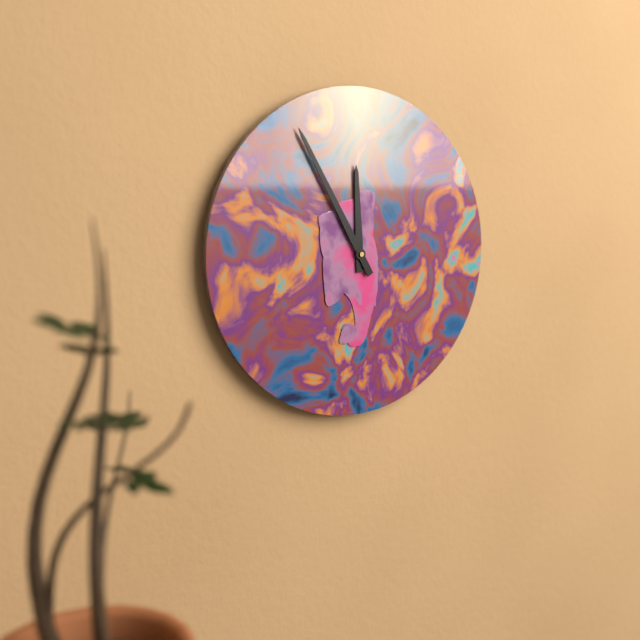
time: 11:55
